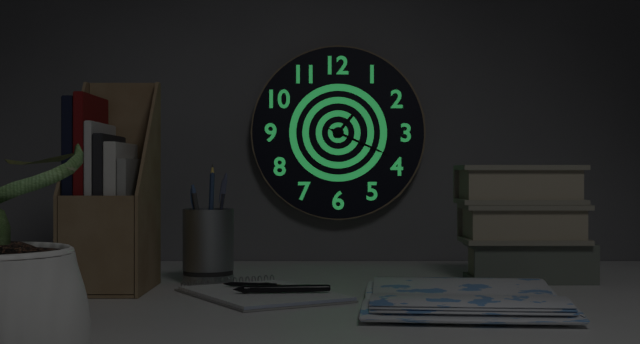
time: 1:19:19
